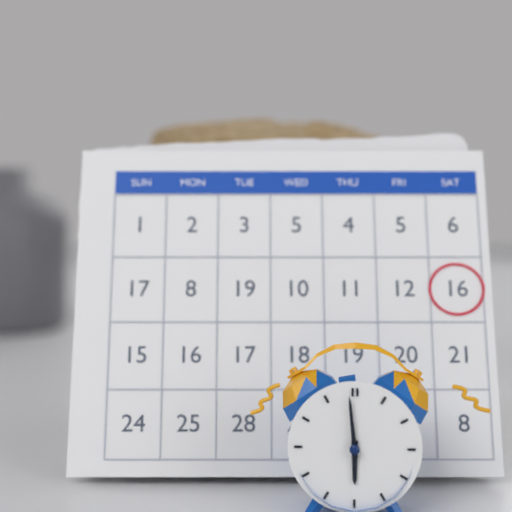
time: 5:59
